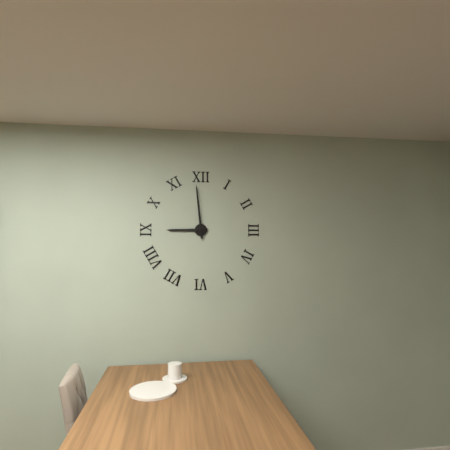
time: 8:59
